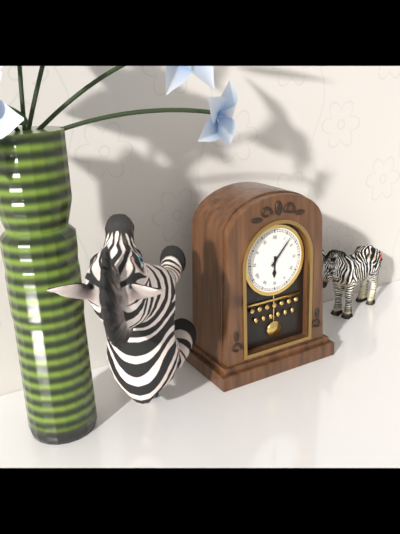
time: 6:07
